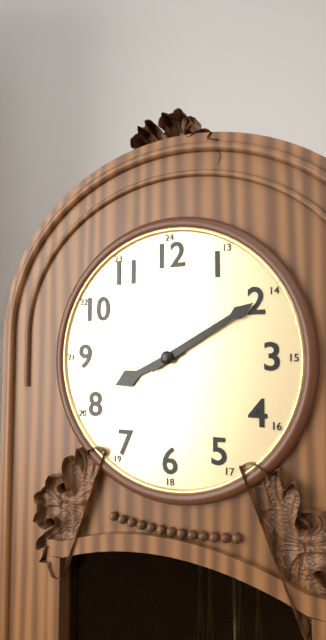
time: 8:10
